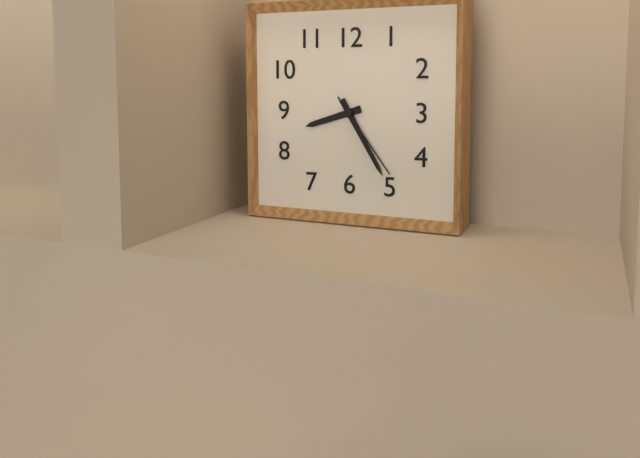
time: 8:25:24
